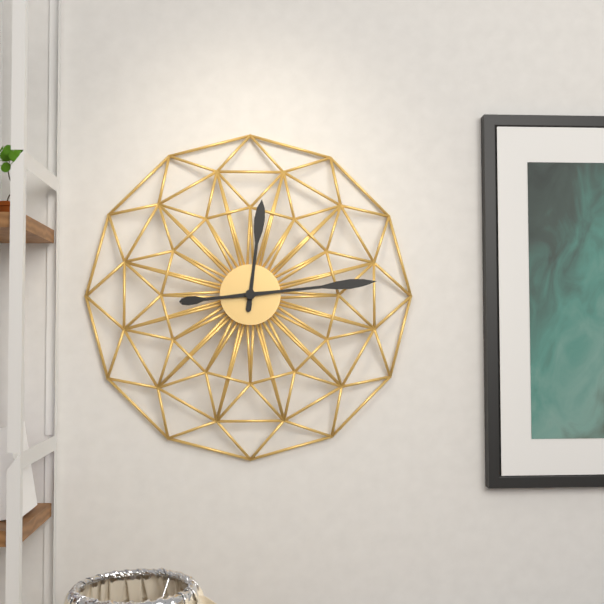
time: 12:14
